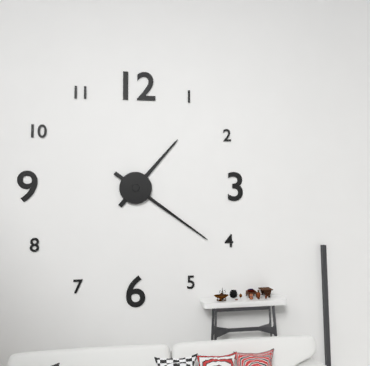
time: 1:21
